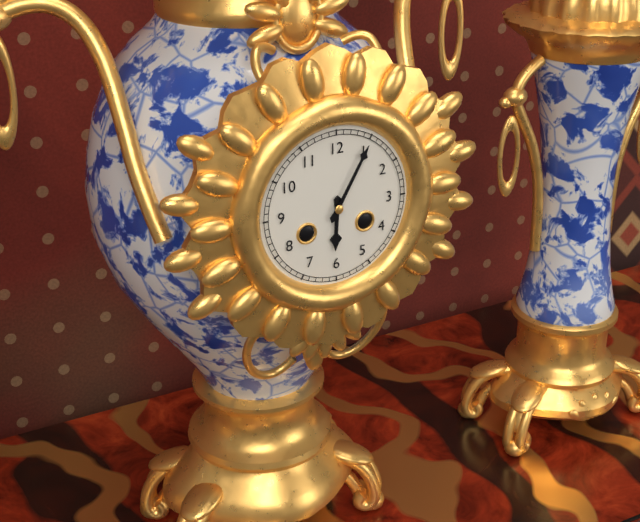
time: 6:05
